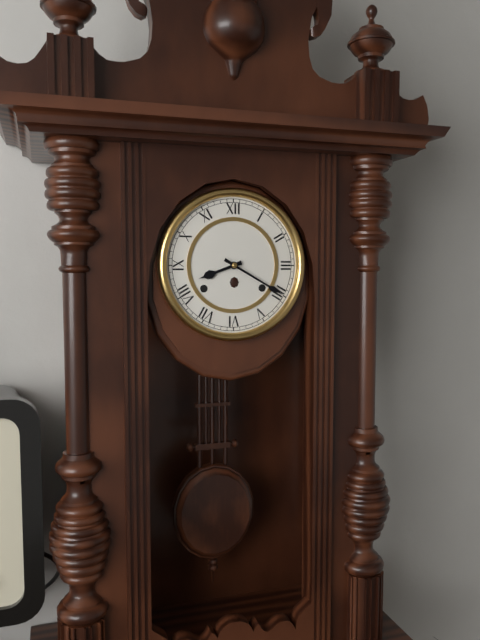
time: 8:20
